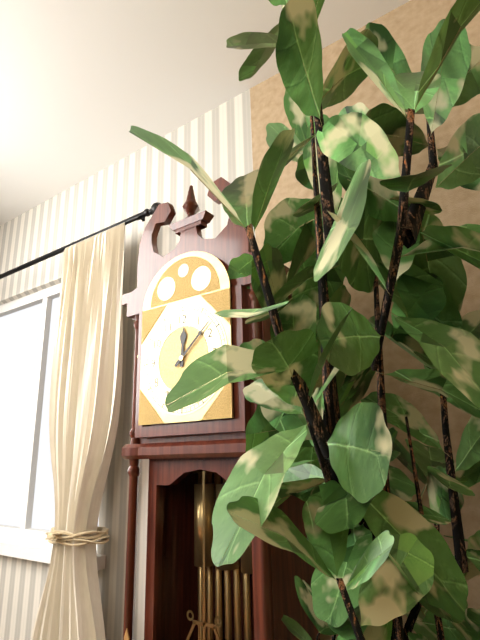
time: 12:08
